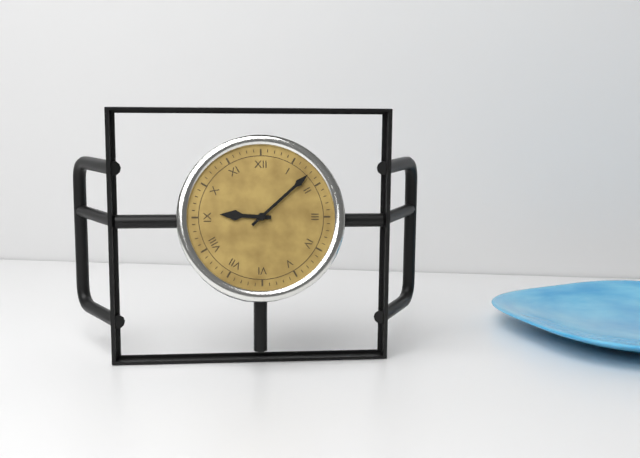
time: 9:08
